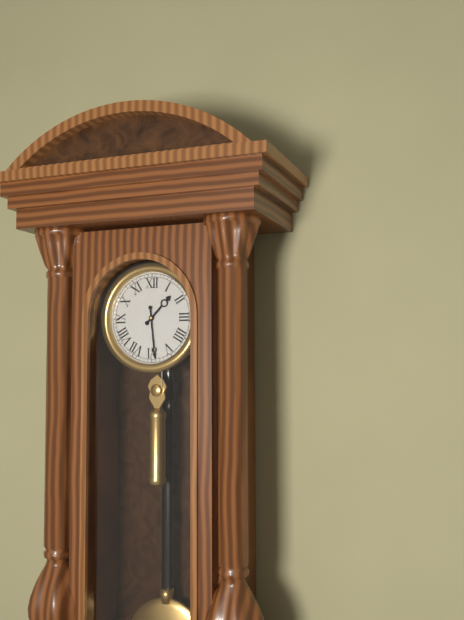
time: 1:29
